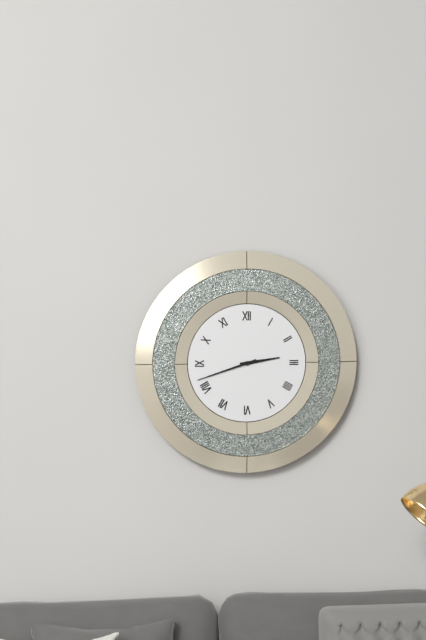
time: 2:42
